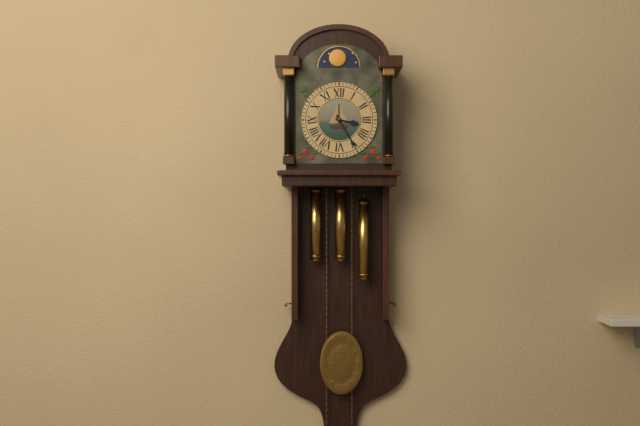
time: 3:25
